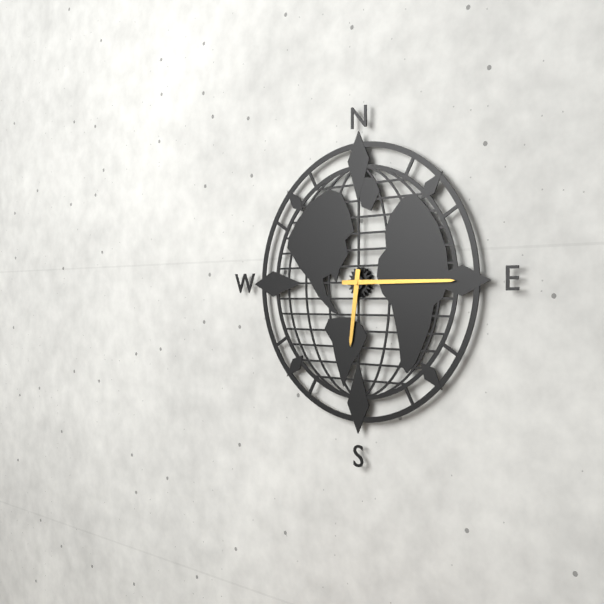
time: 6:15
